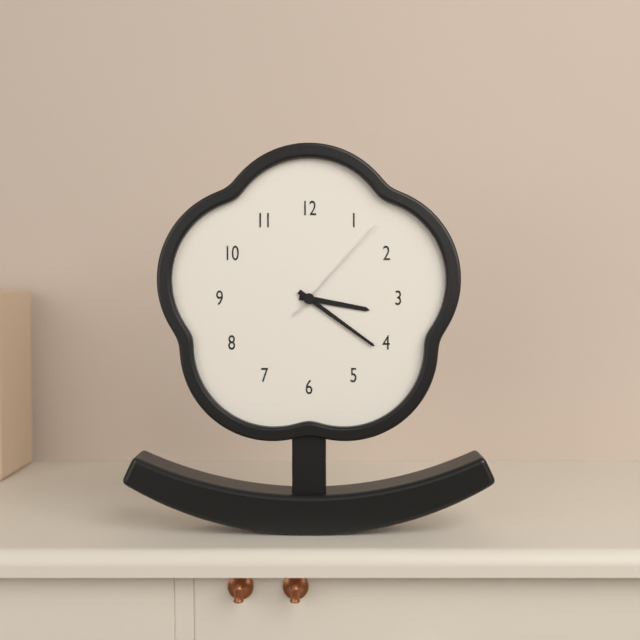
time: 3:21:07
